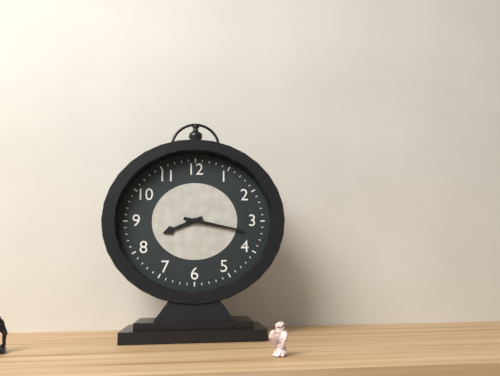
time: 8:17
